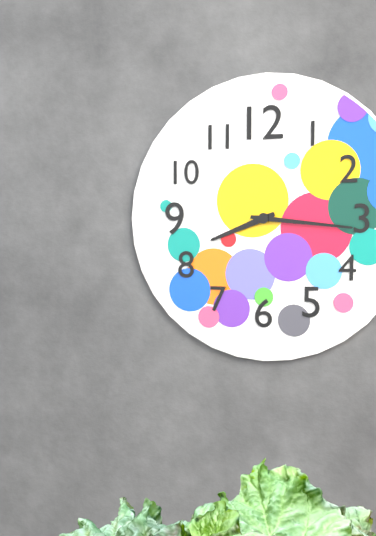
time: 8:16
